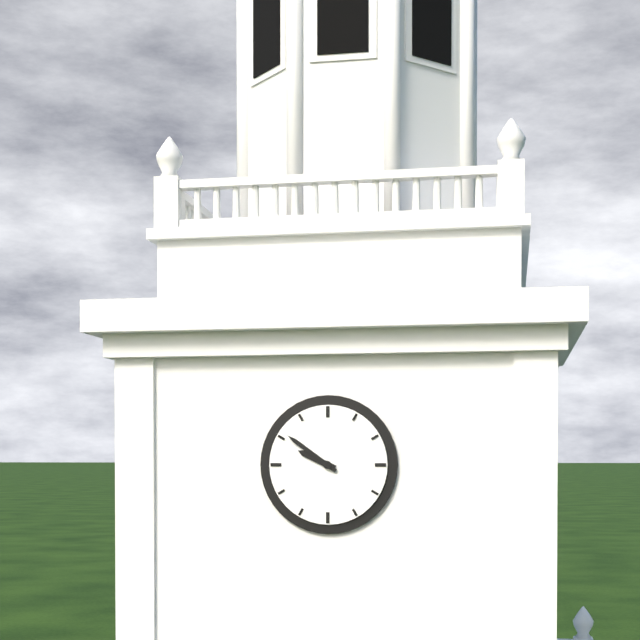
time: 9:51
